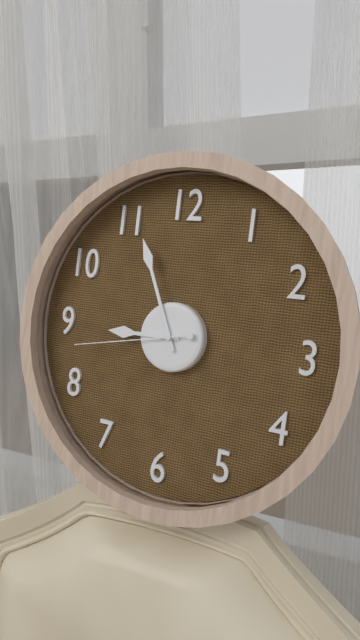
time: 8:56:43
